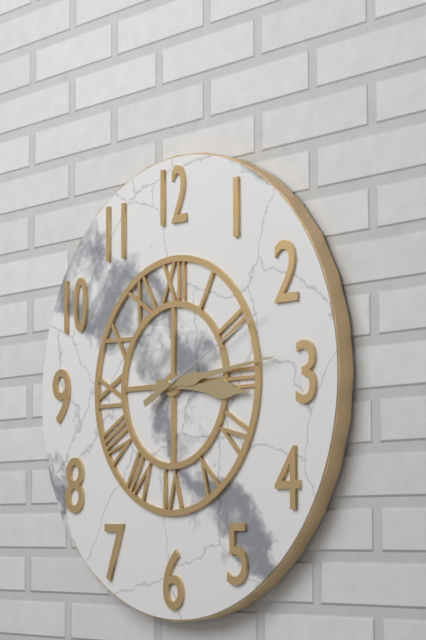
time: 3:14:11
